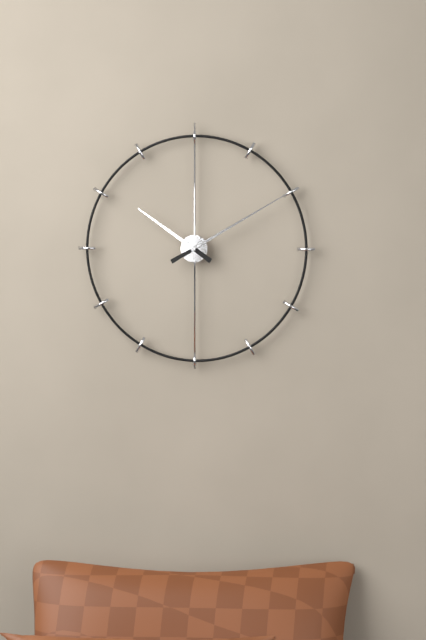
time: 10:10
